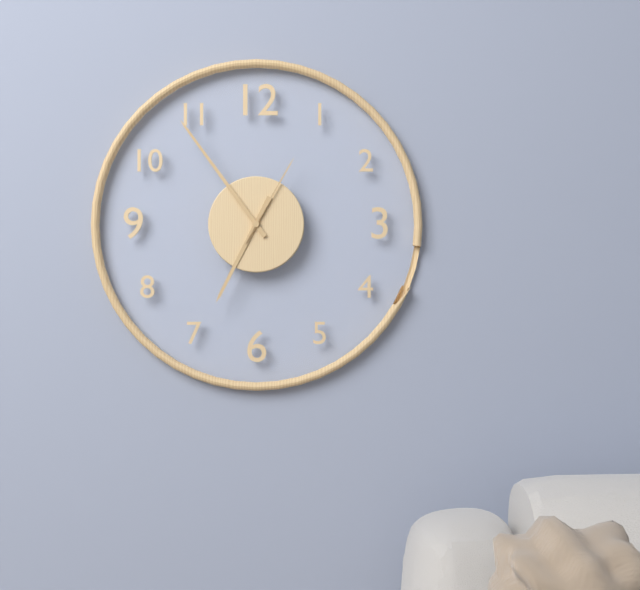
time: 6:54:05
